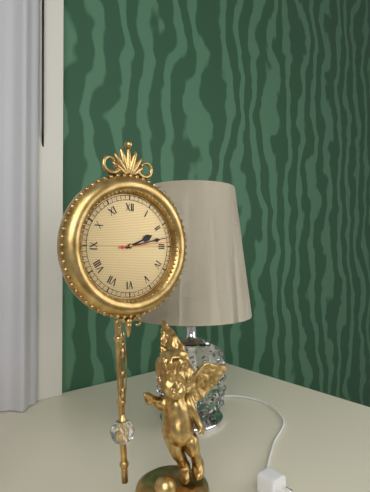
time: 2:13:14
